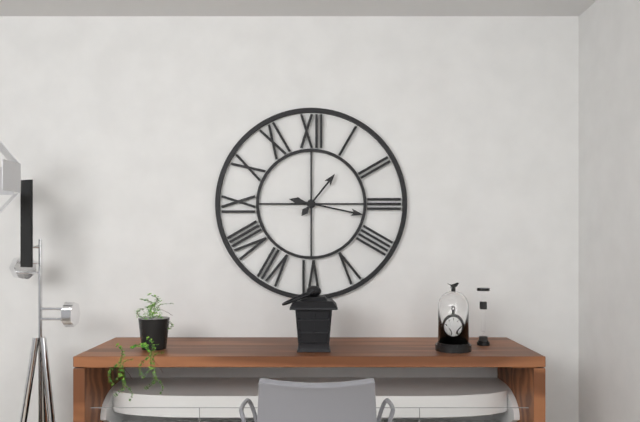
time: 1:17
